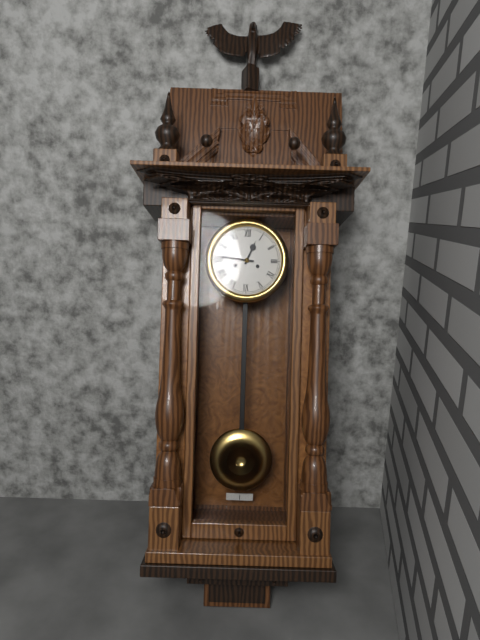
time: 12:46
